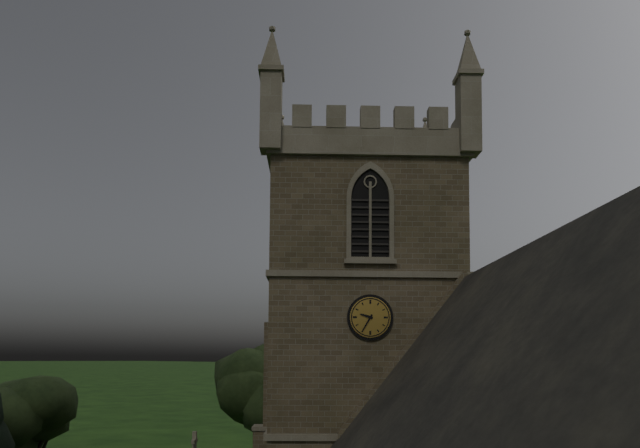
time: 9:35
